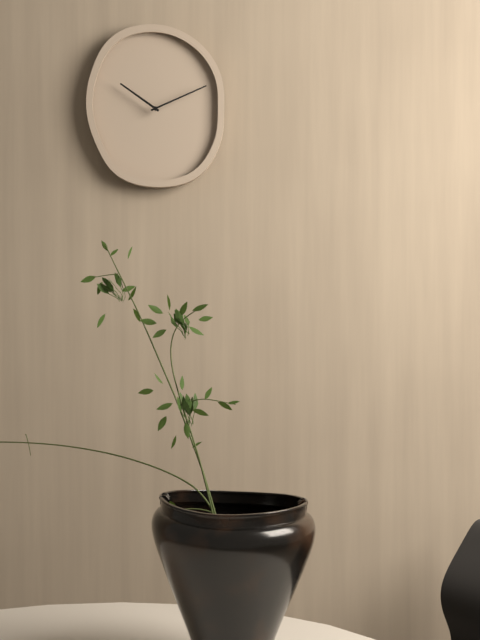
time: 10:11
